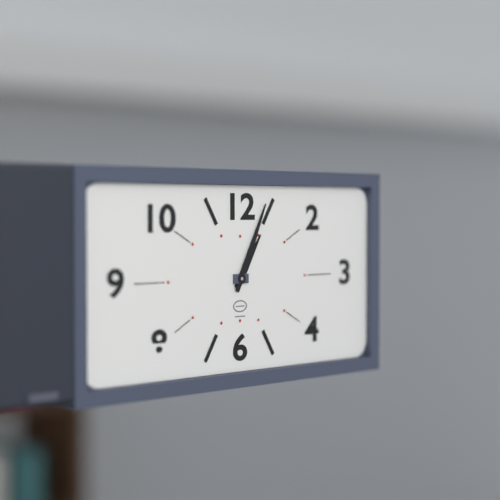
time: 1:04
